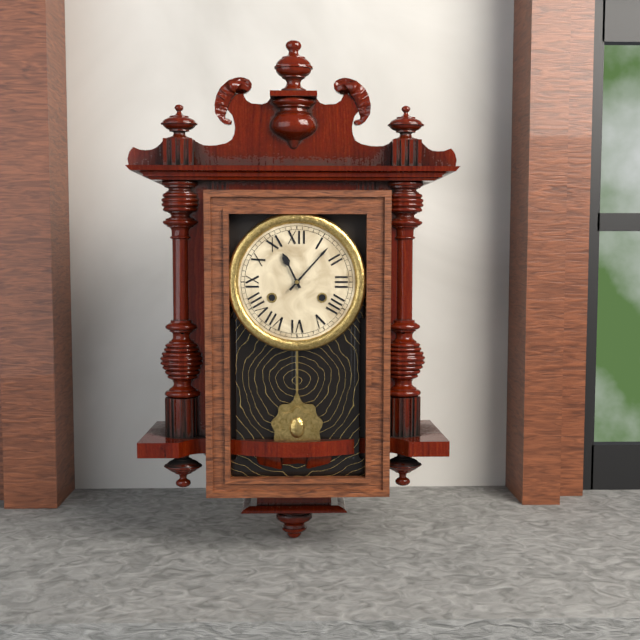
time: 11:07
